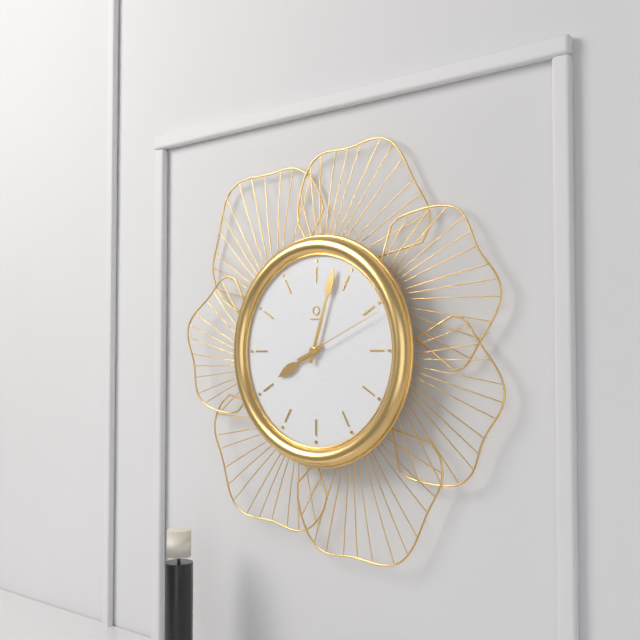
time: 8:03:11
